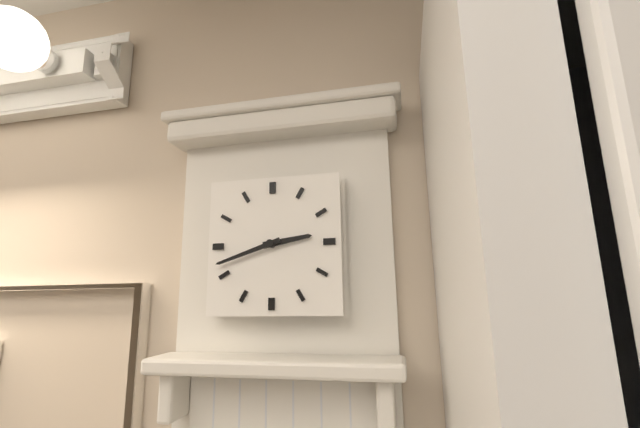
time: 2:42
